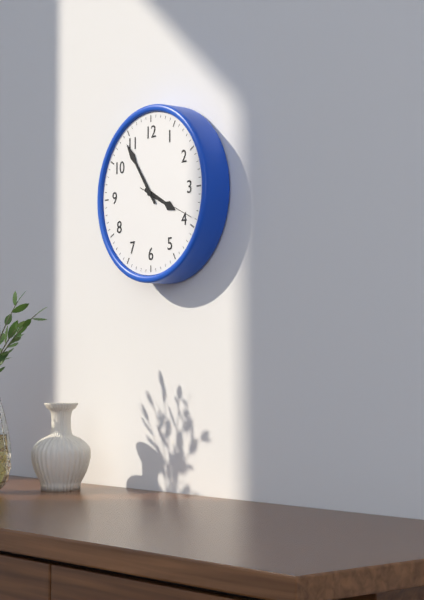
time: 3:54:19
